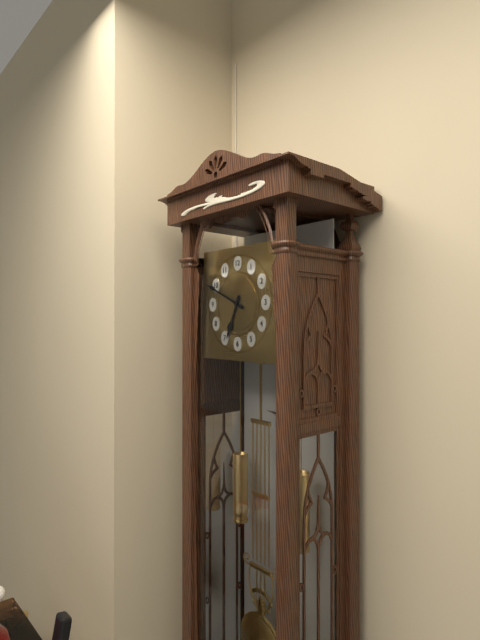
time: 6:49
